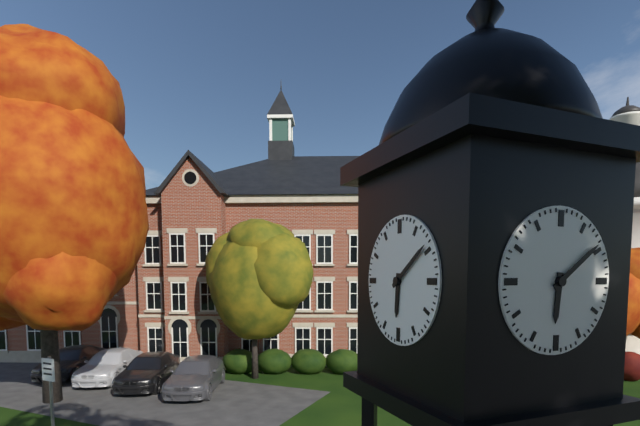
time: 6:09
